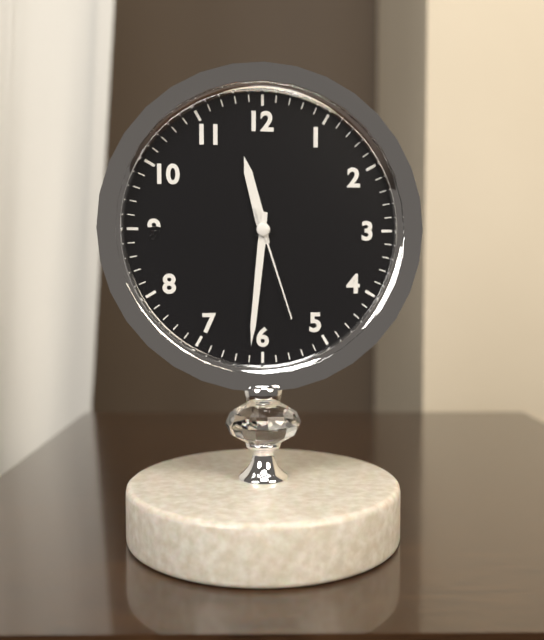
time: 11:31:27
